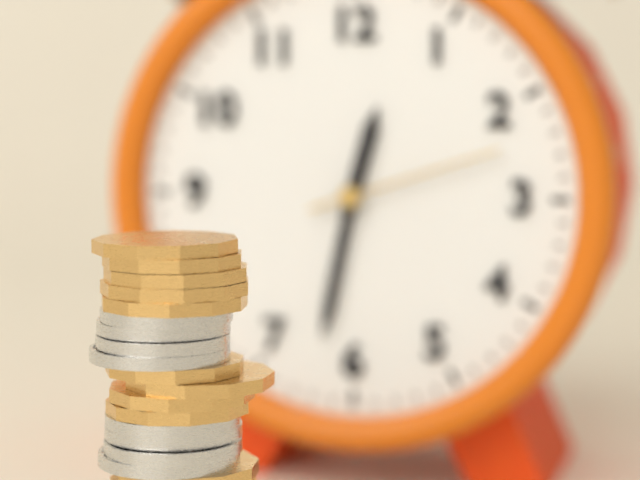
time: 12:32:12
